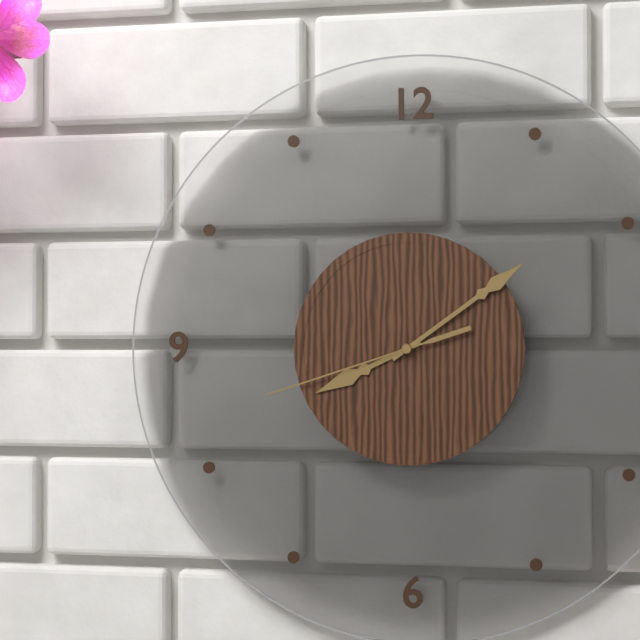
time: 8:09:42
